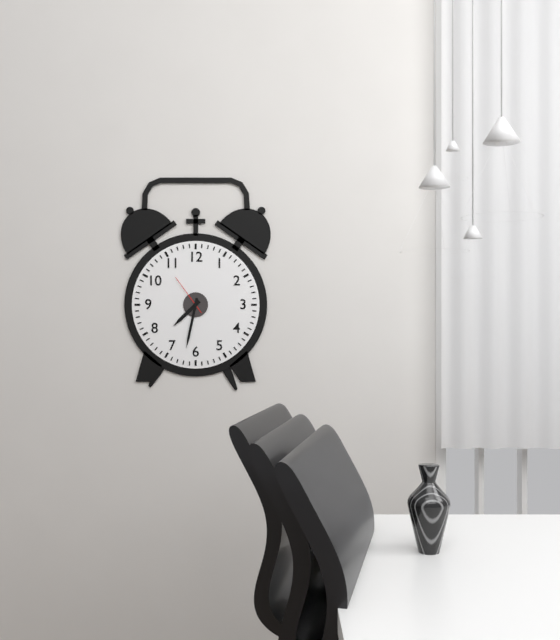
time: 7:32
